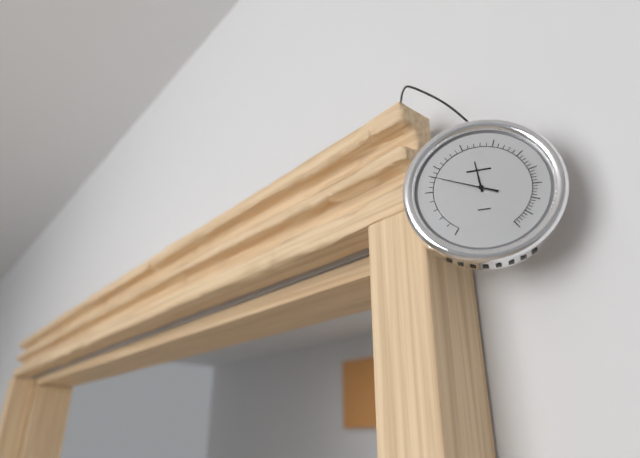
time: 11:49
